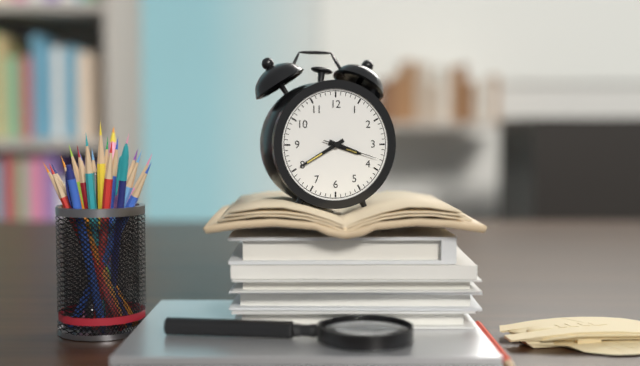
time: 3:40:18
